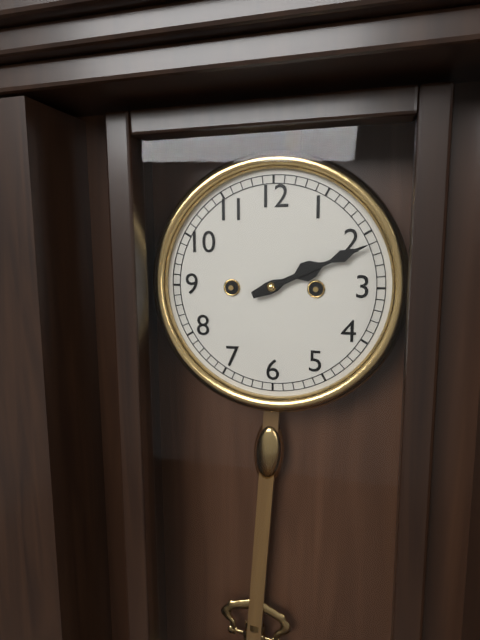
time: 2:11
